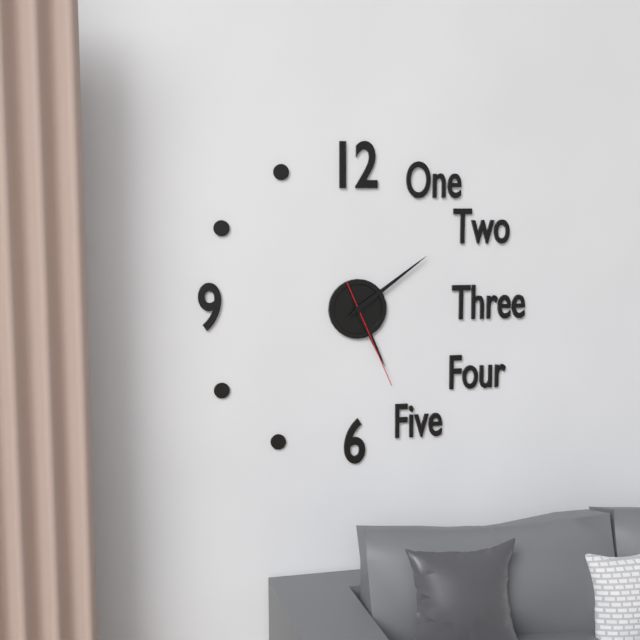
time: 5:09:26
